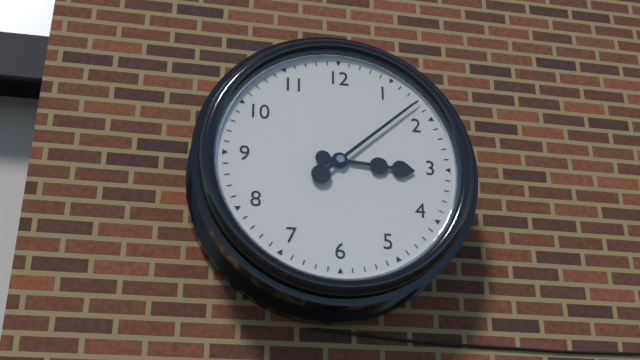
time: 3:08
